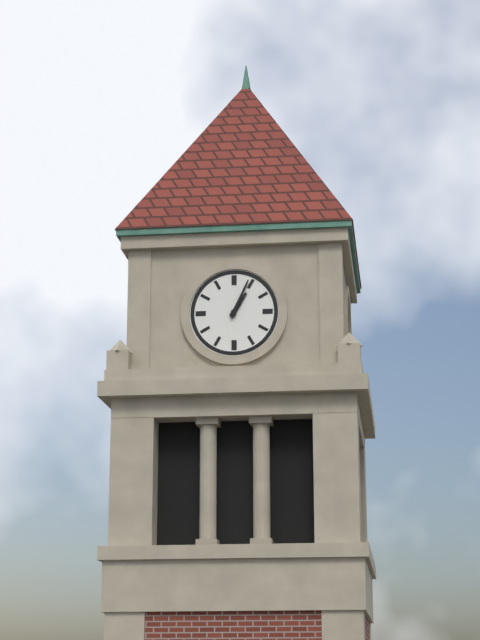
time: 1:04
